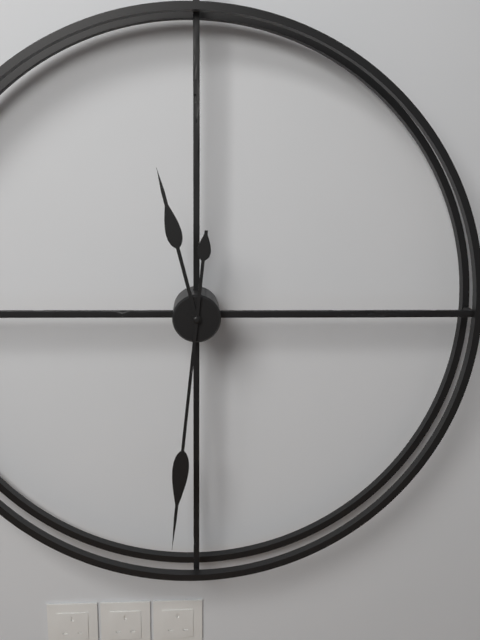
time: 11:31
